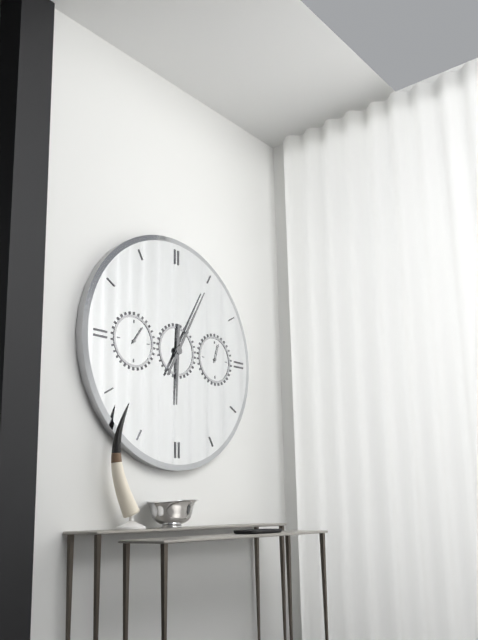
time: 6:05
